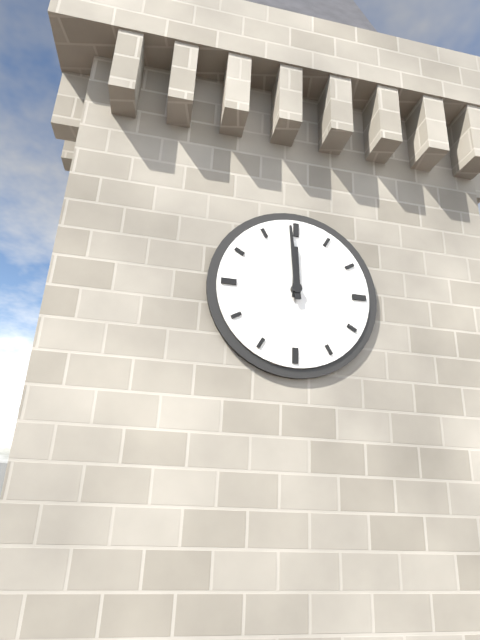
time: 11:59
